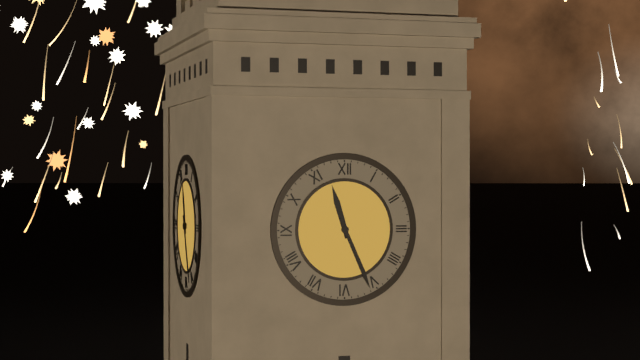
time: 11:26
